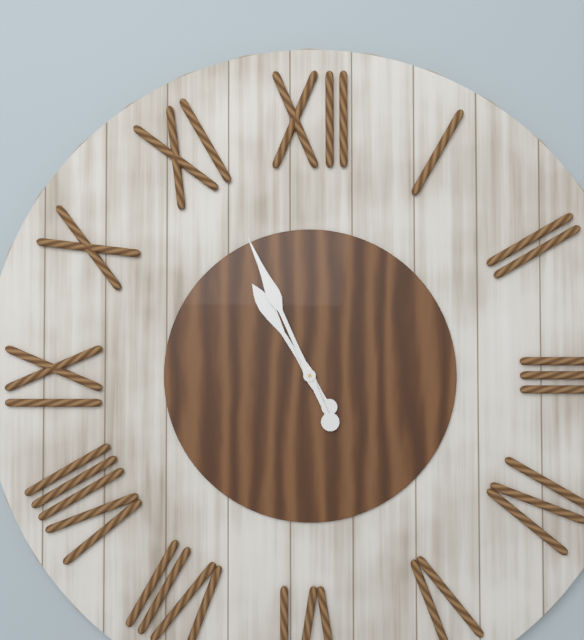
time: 10:56
